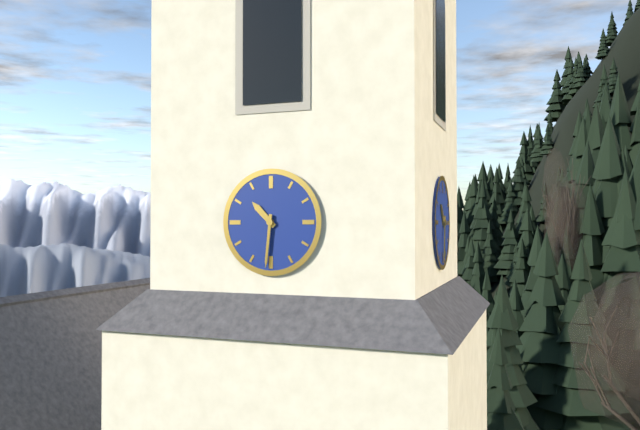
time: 10:31
